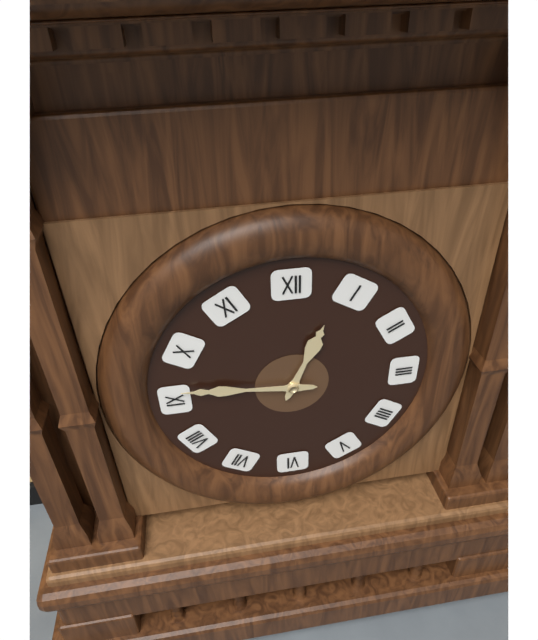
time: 12:46
